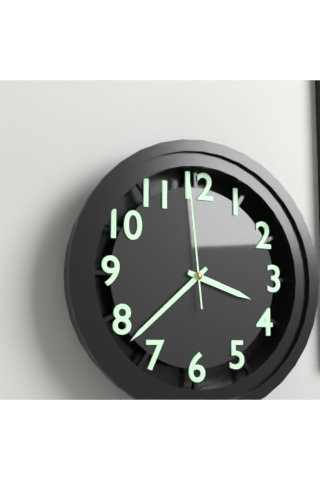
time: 3:38:59
